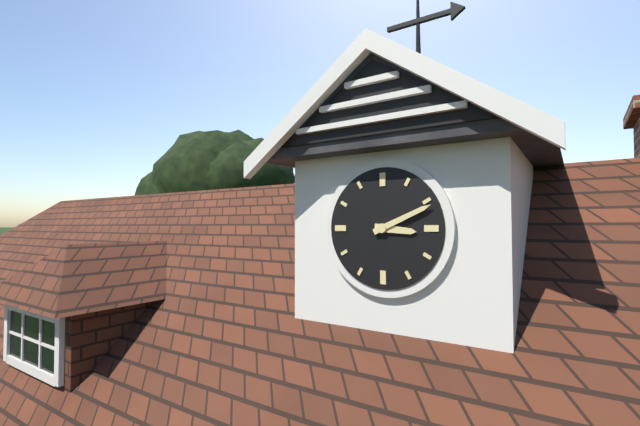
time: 3:11
